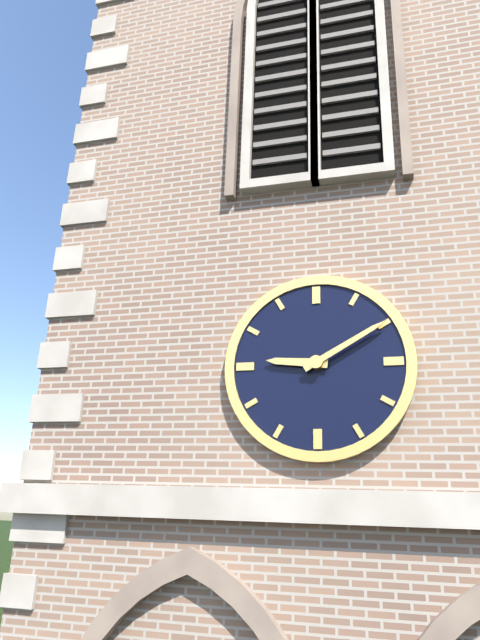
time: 9:10
